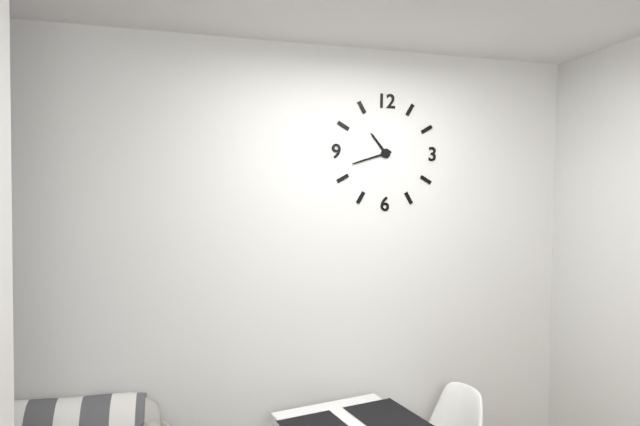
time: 10:42
